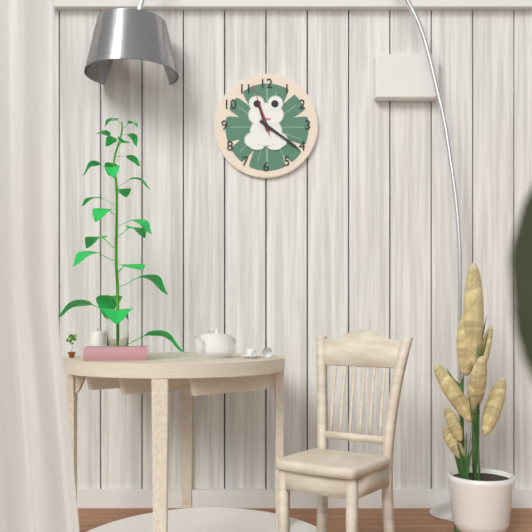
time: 11:21:57
